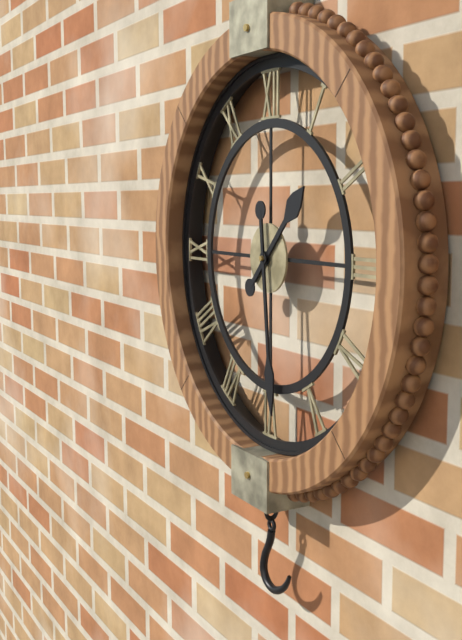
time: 1:29
